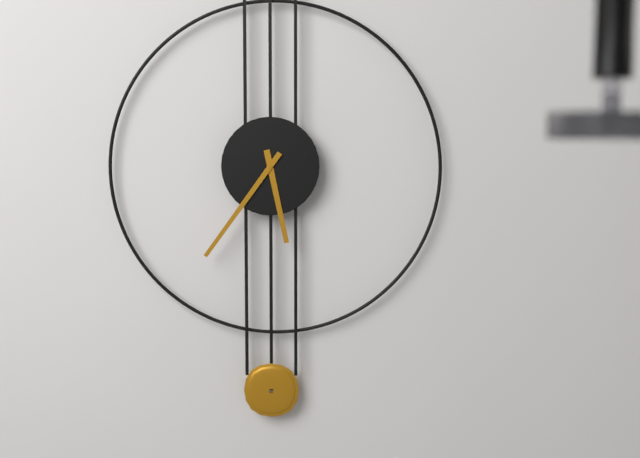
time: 5:36
